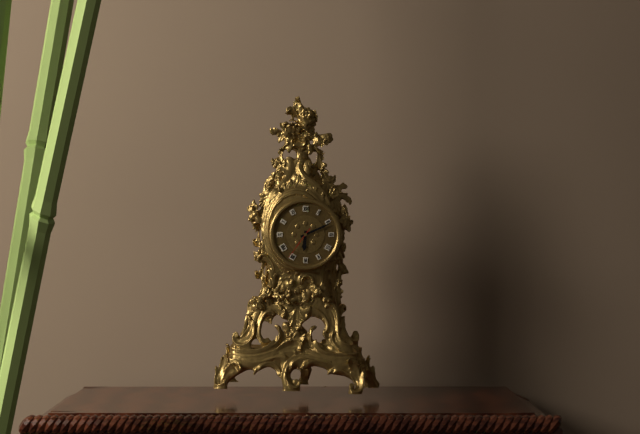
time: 6:11
